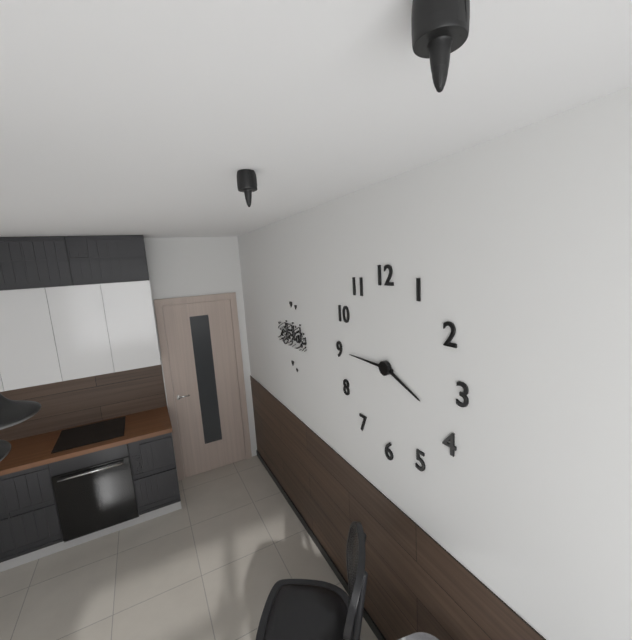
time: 3:45
